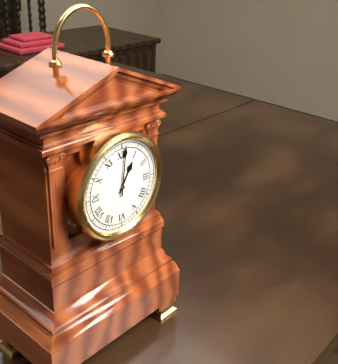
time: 1:01
